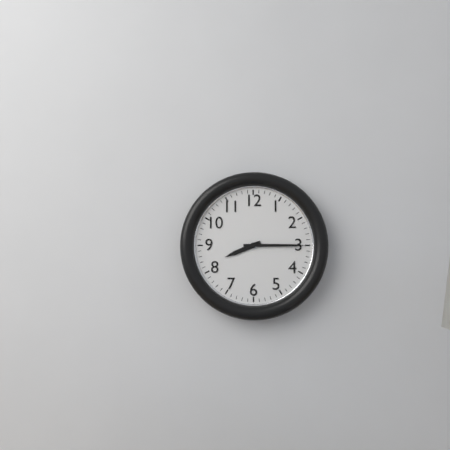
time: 8:15
